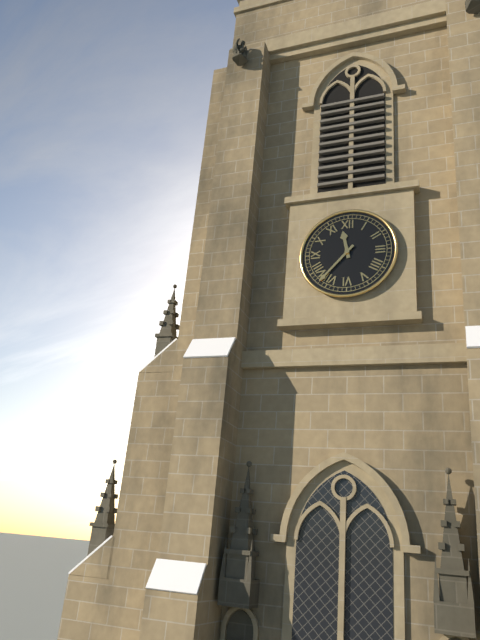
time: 11:37
